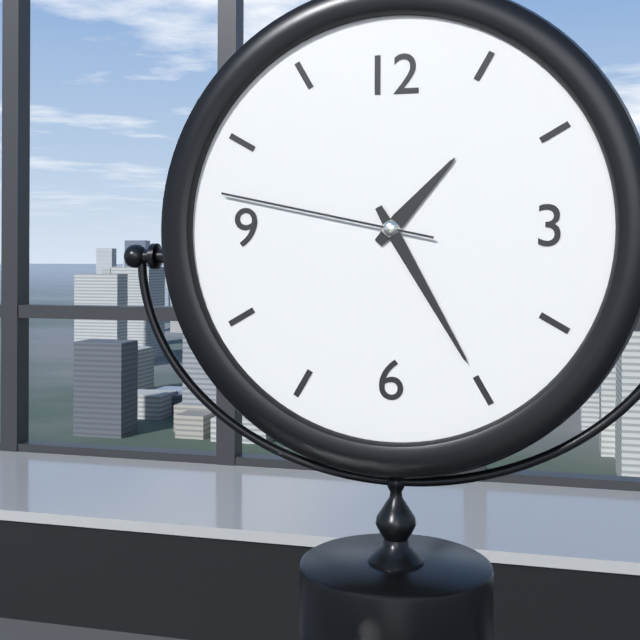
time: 1:25:47
